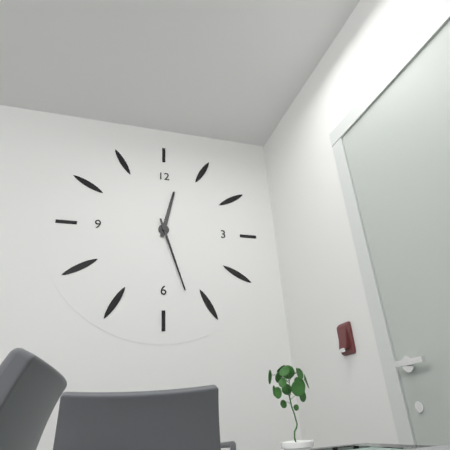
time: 12:27
